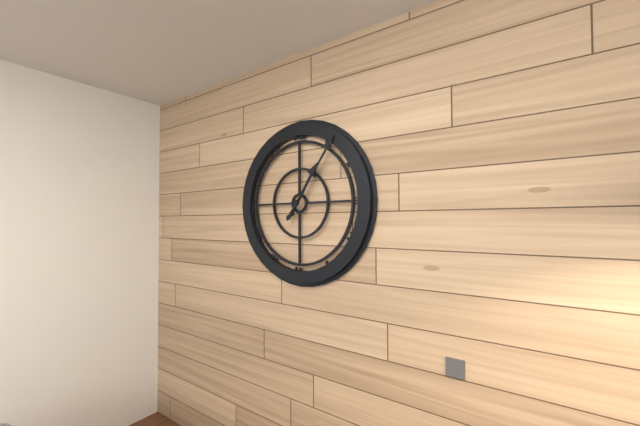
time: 1:06
